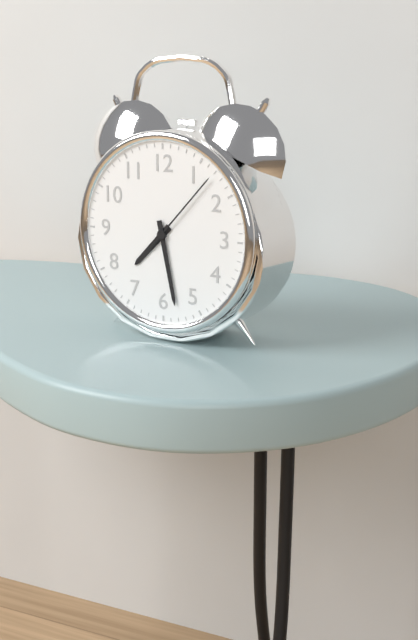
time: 7:28:07
